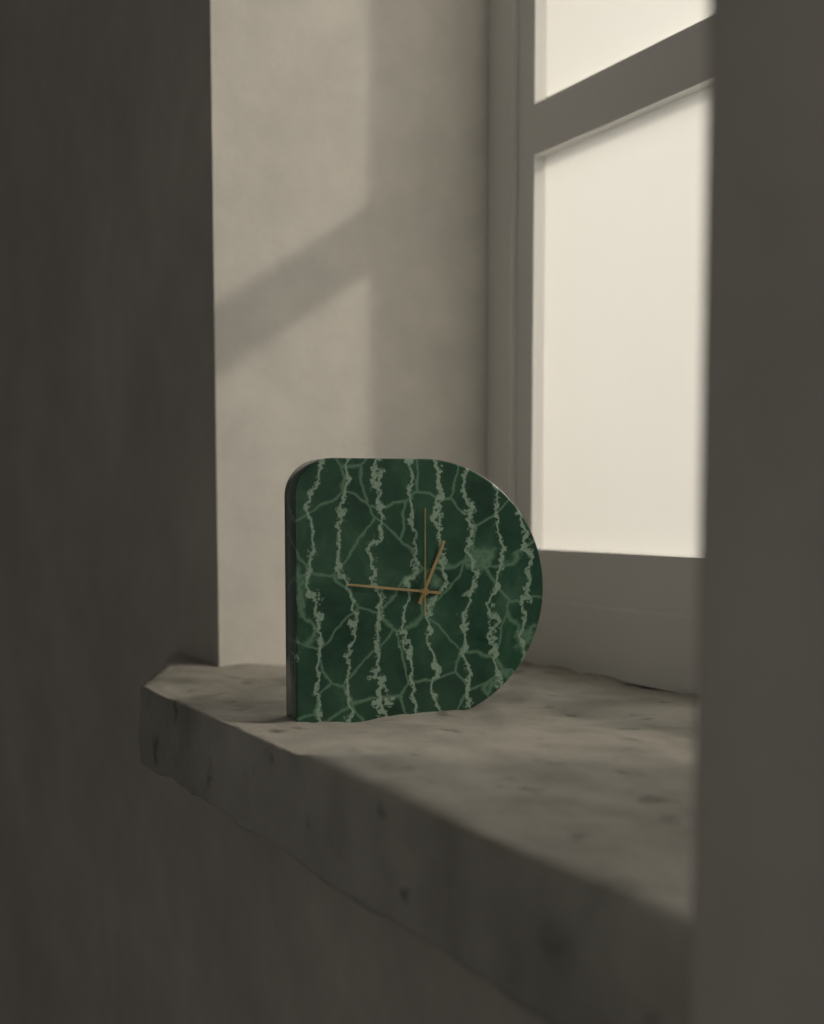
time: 12:46:00
